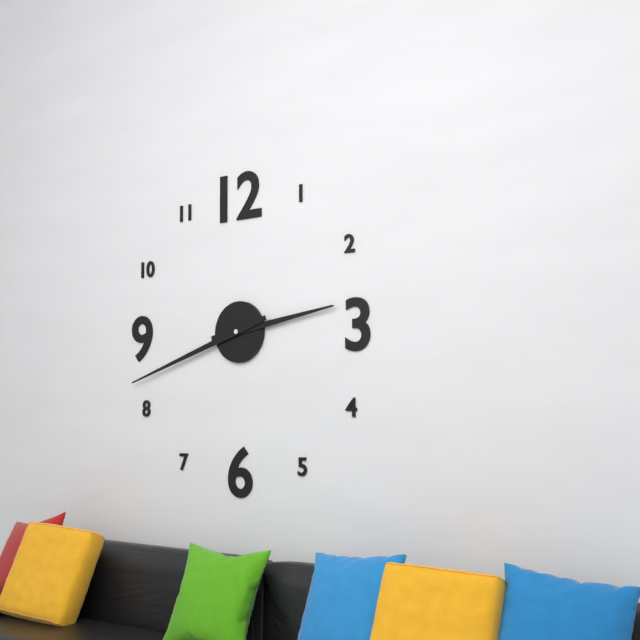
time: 2:42
